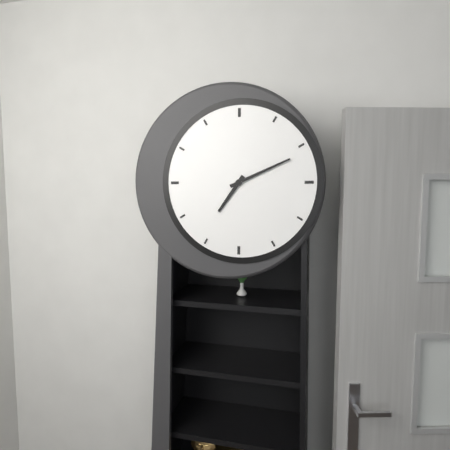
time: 7:11
